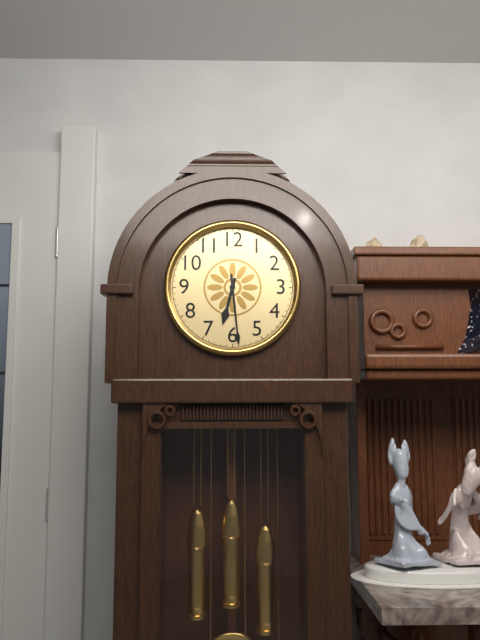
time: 6:29
